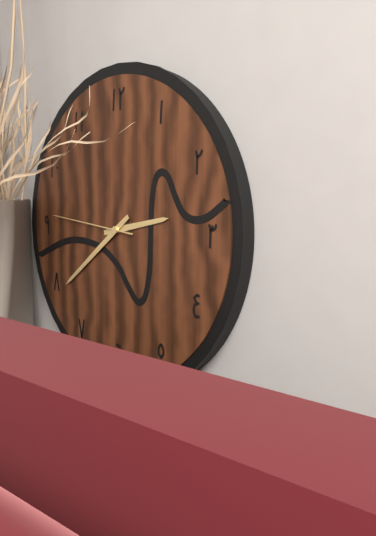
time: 2:39:46
